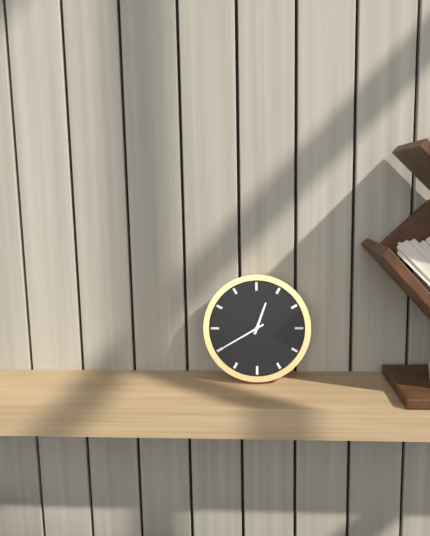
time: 12:40
